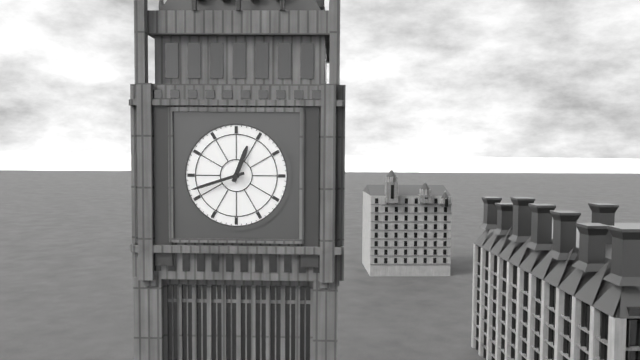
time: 12:42
